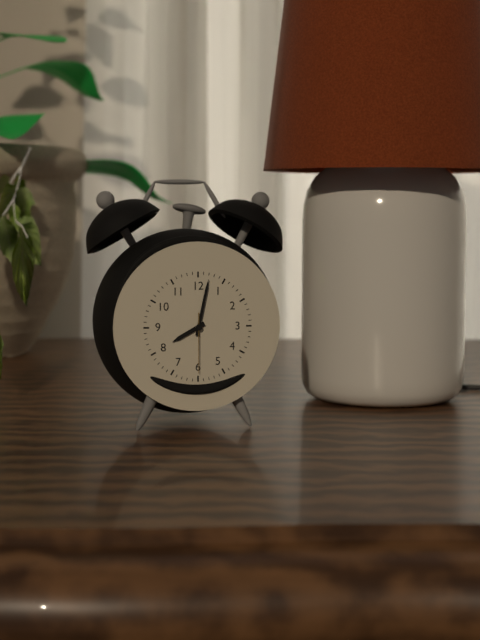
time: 8:02:30
